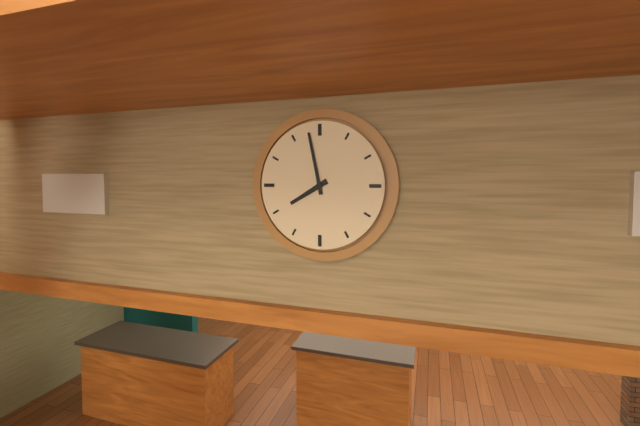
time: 7:58
